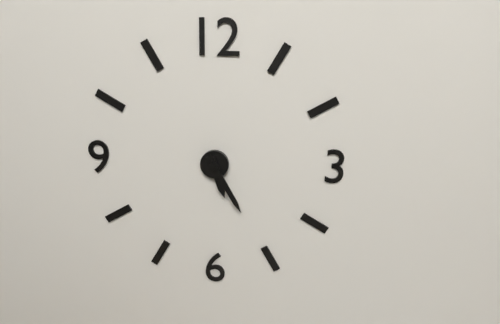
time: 5:25
